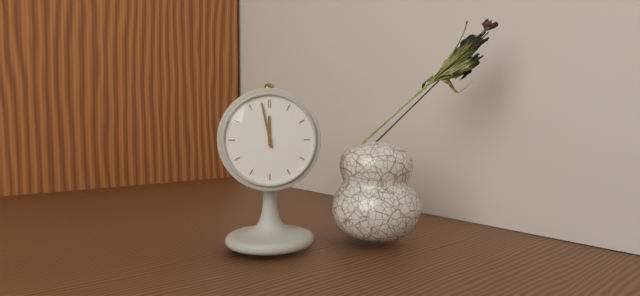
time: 11:58
